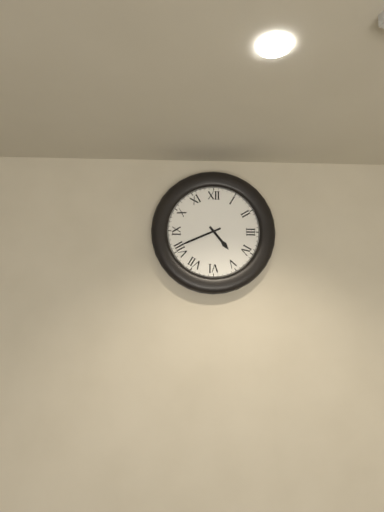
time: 4:41
